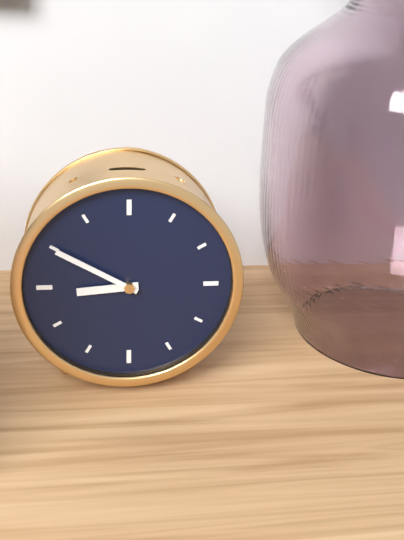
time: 8:50
